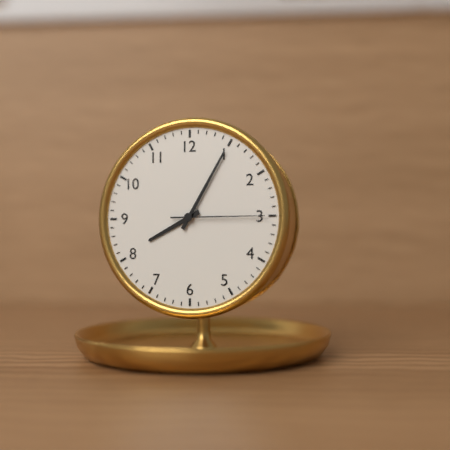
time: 8:05:15
